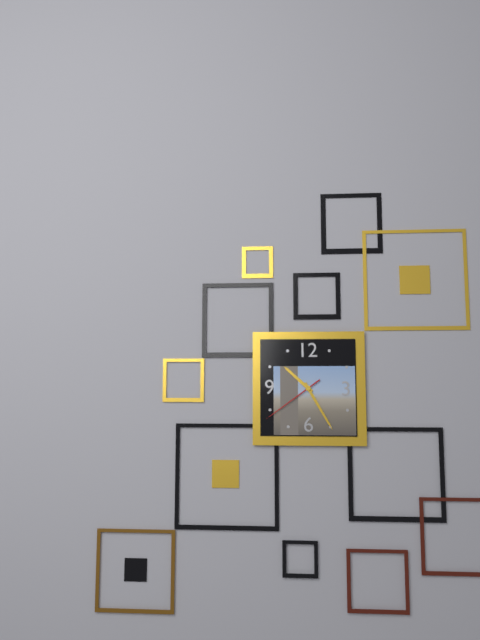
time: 10:25:39
